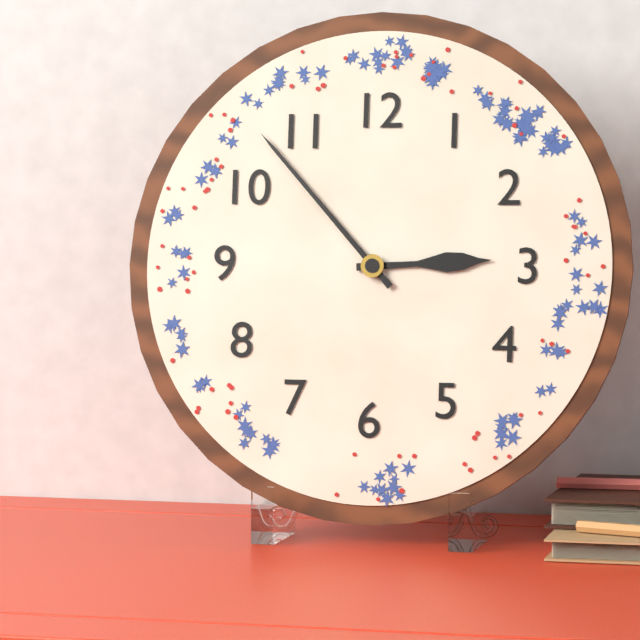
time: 2:53
